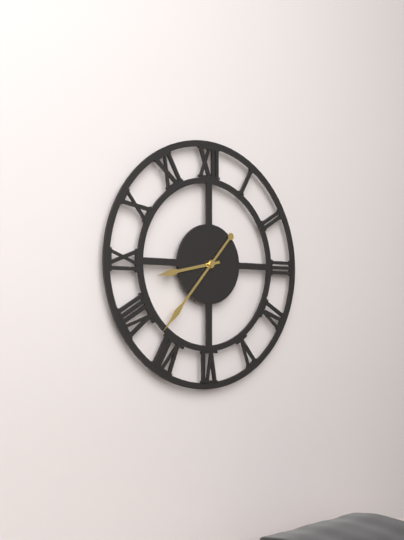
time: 8:37
